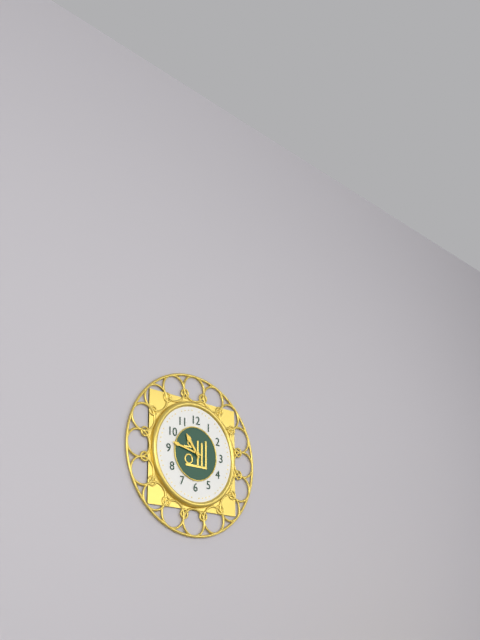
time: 10:47
